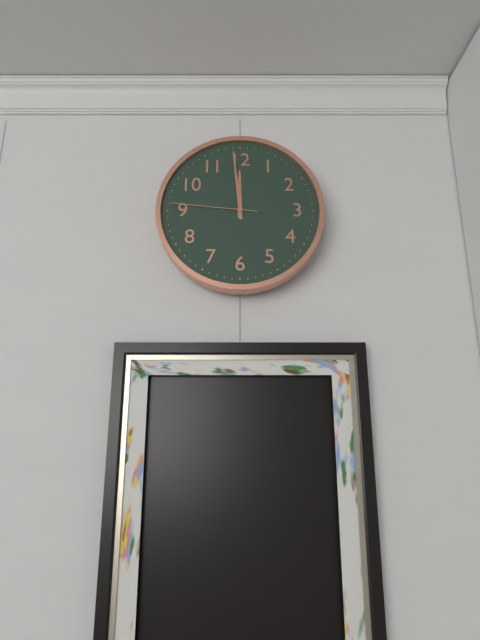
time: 11:59:46
